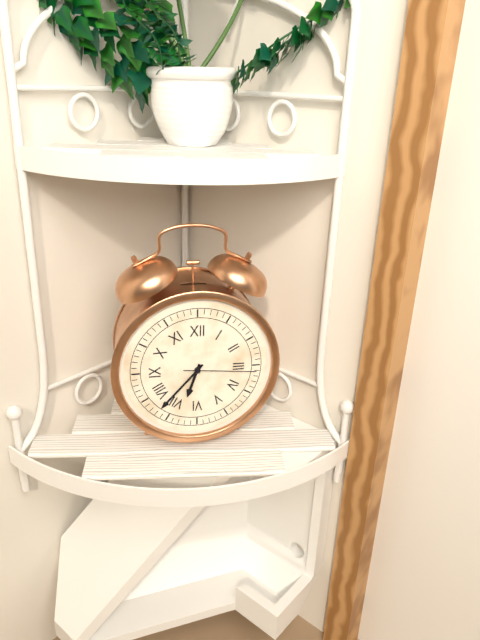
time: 6:37:16
